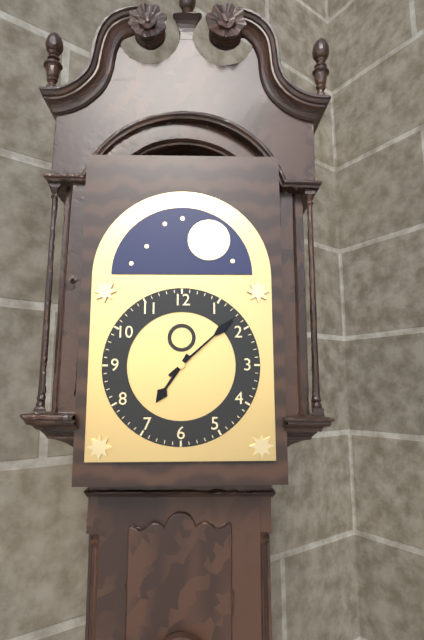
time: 7:08
